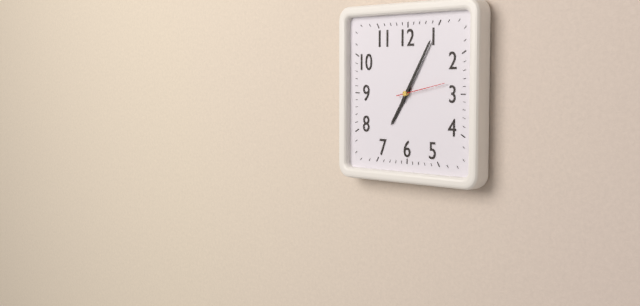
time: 7:05:13
